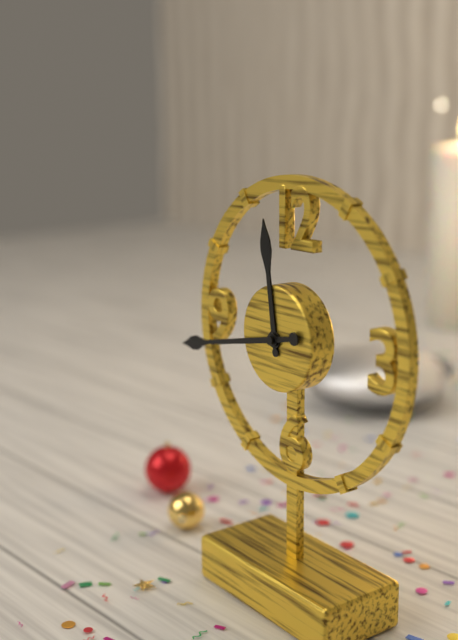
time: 11:43
